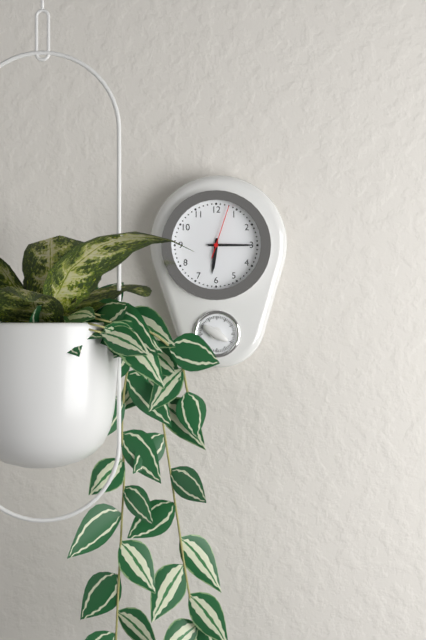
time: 6:15:03
